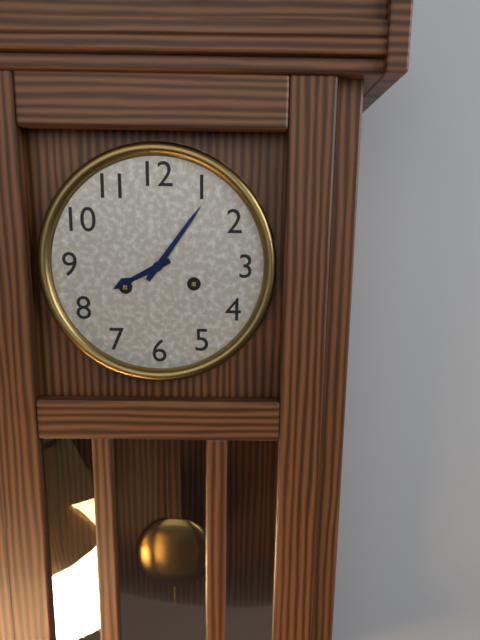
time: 8:06
